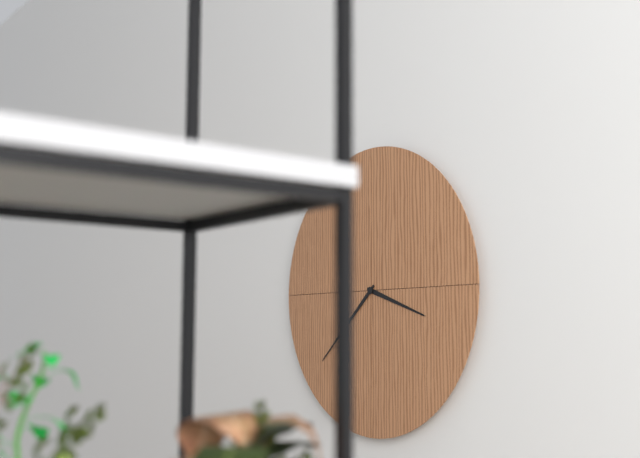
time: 3:38
